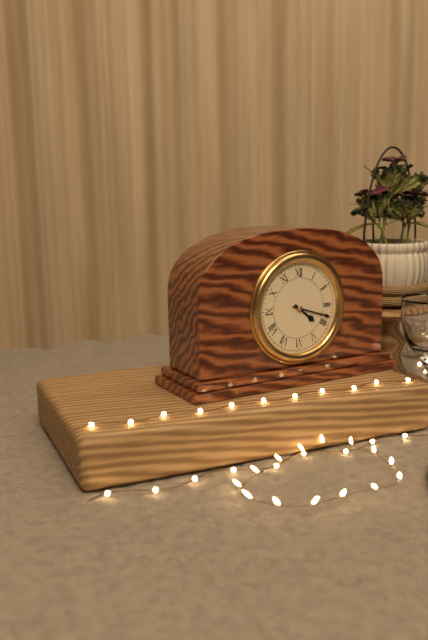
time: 4:18
